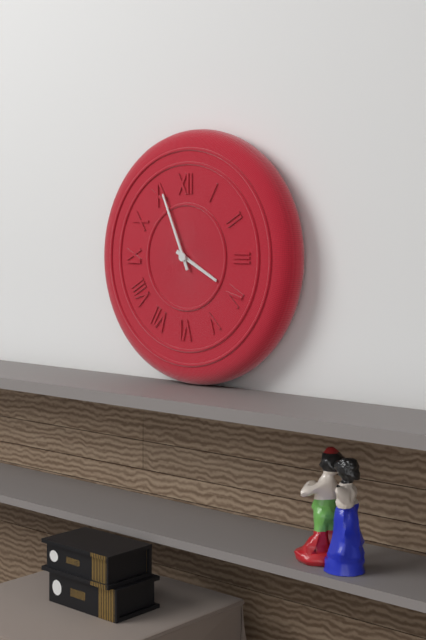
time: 3:56
